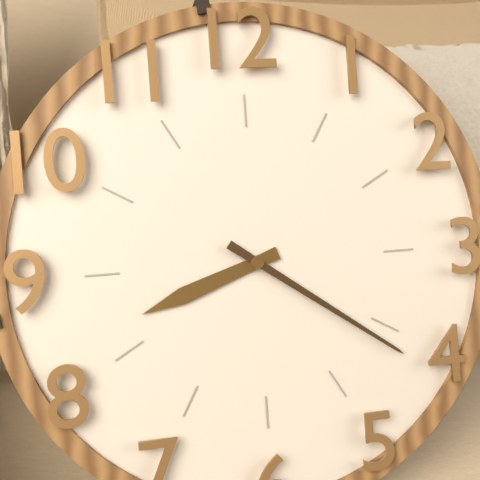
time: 8:21
